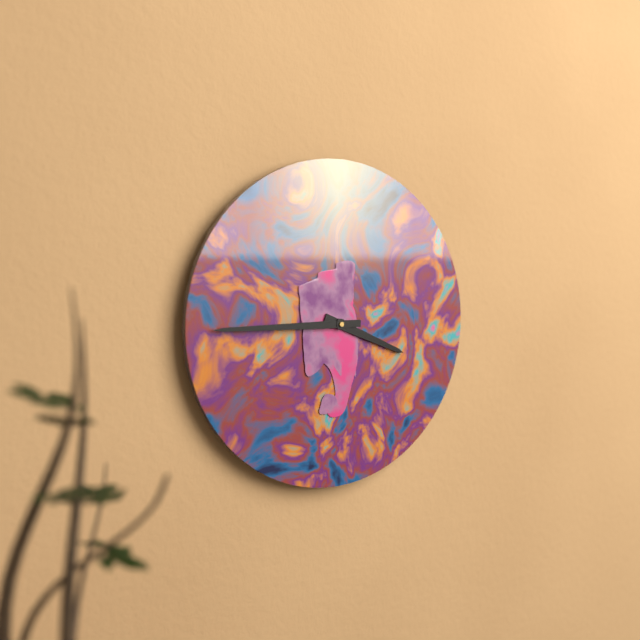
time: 3:45
